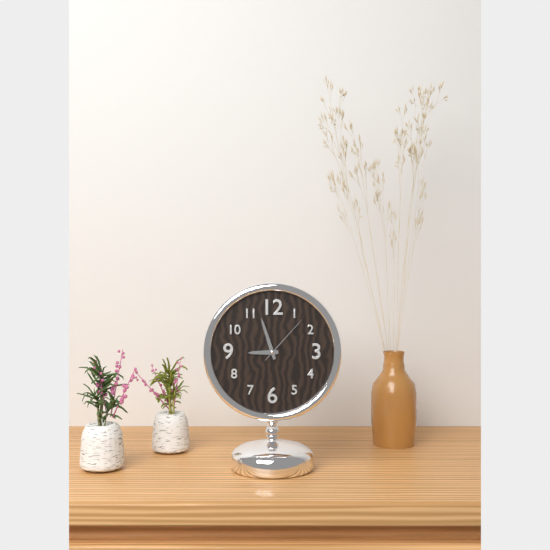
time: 8:57:07
